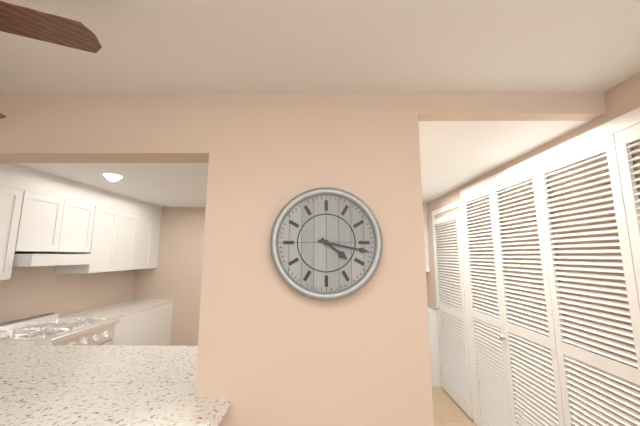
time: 4:17
